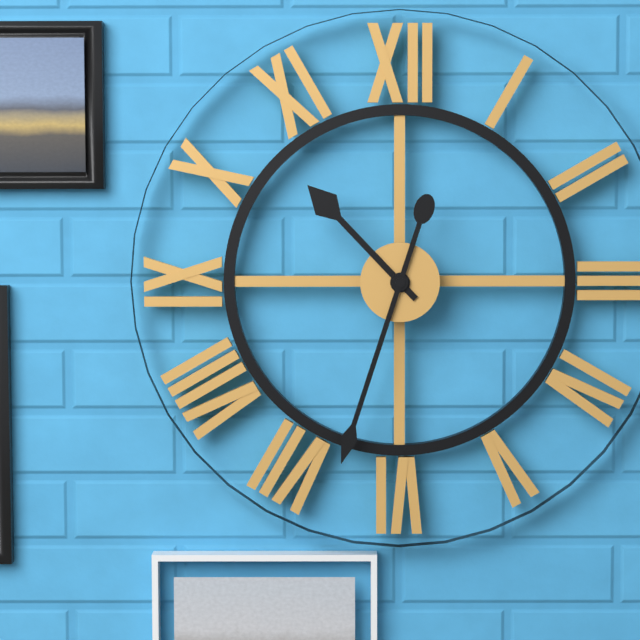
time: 10:33
